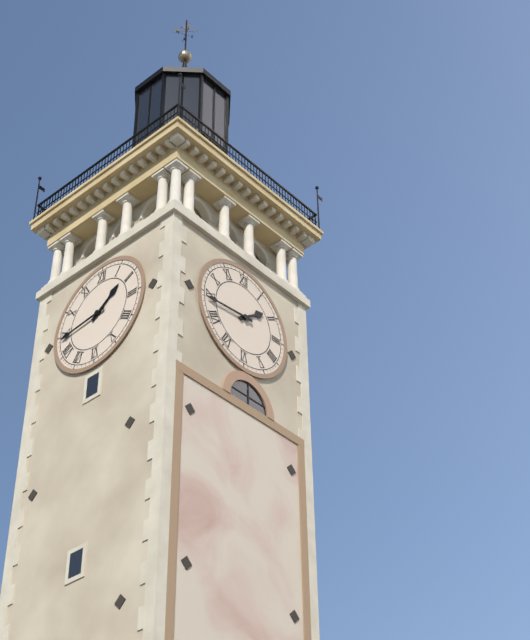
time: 1:44
